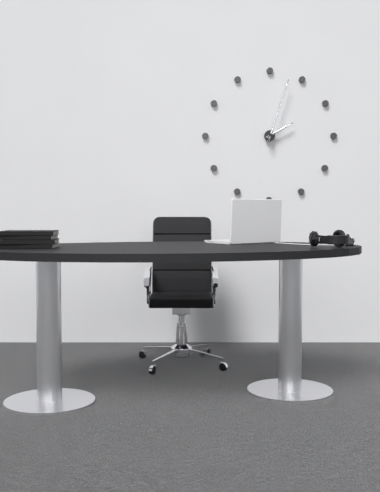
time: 2:03
